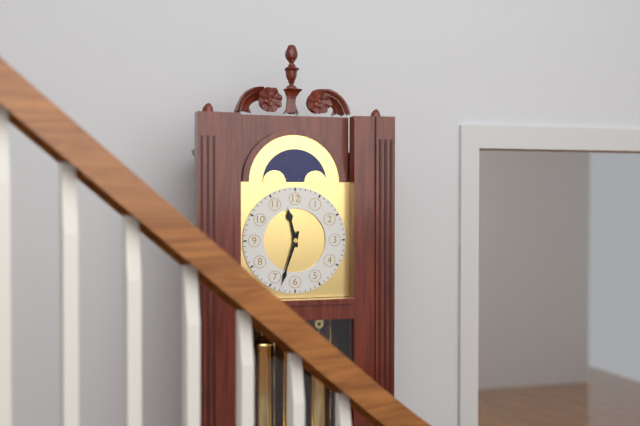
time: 11:33
